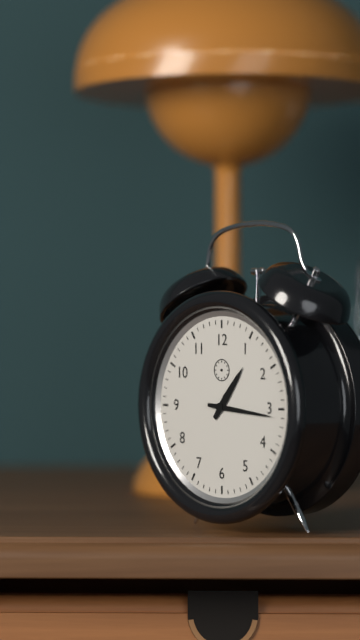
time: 1:16
